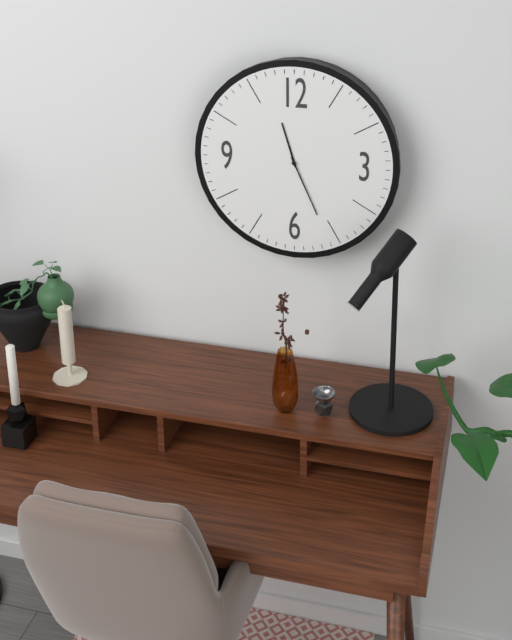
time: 11:26
